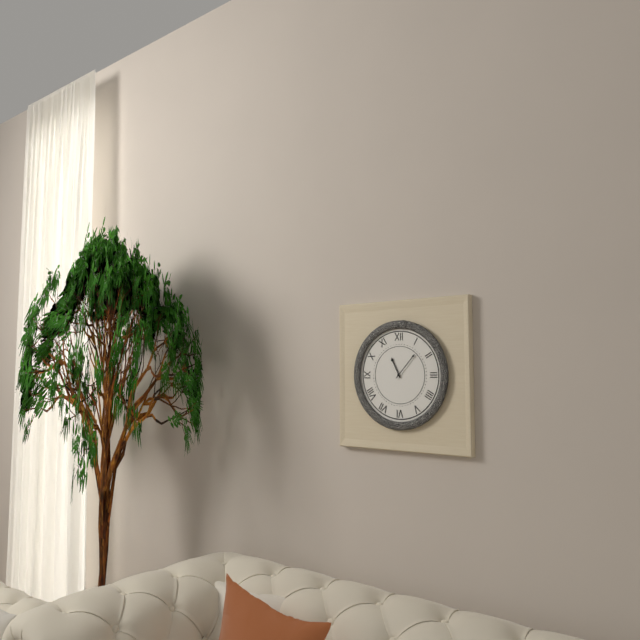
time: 11:07
